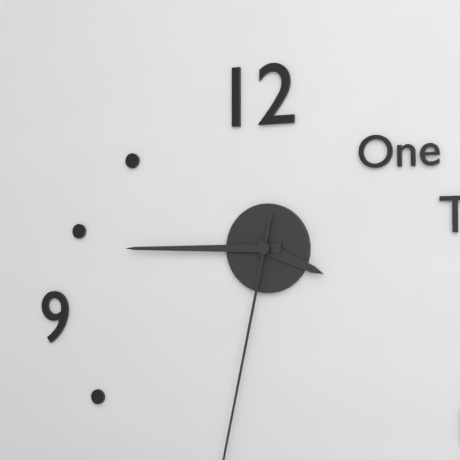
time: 3:45
